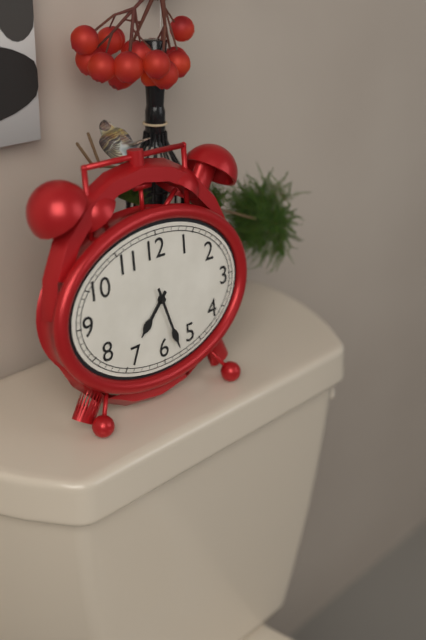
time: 7:27
